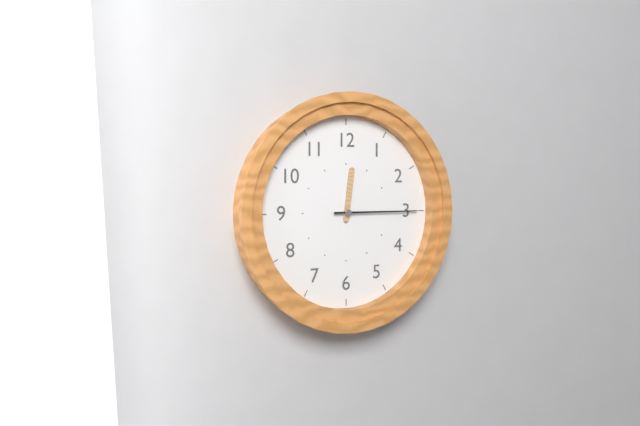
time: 12:15
